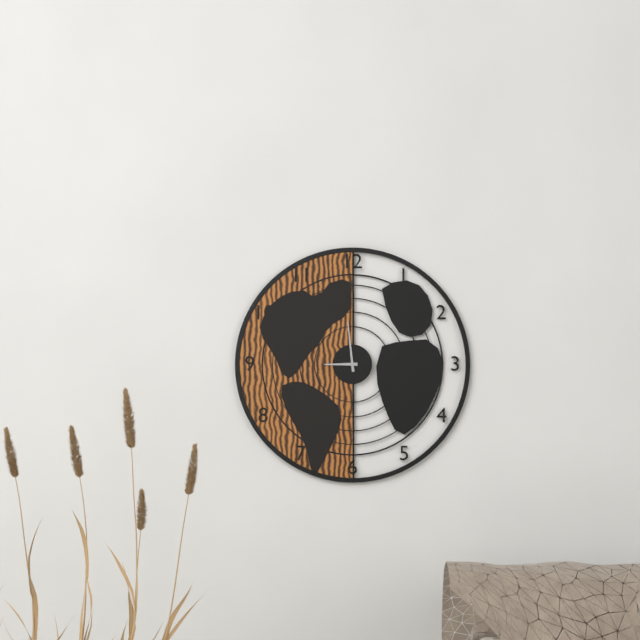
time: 8:59
